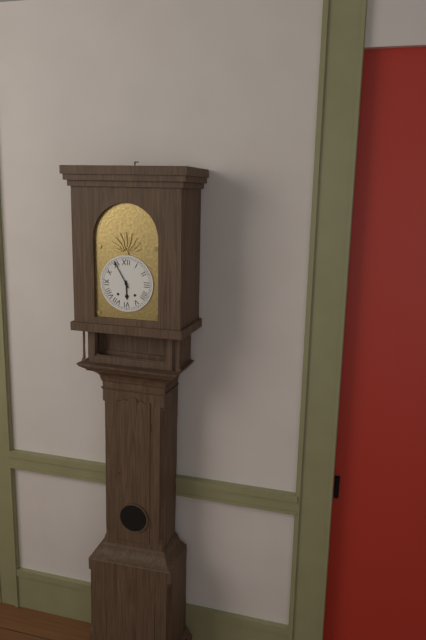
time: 5:55
